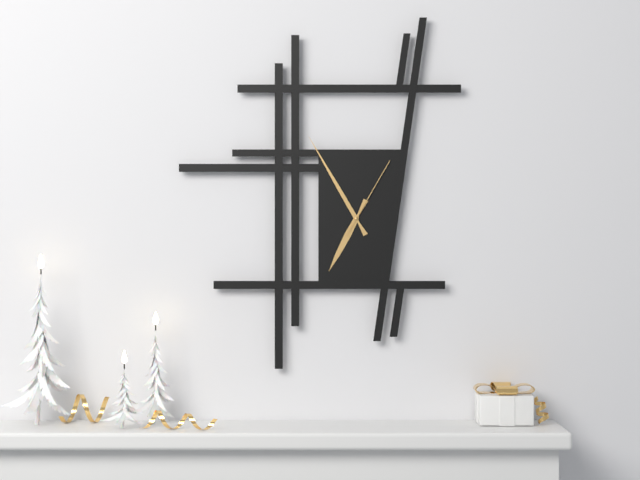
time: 6:55:05
